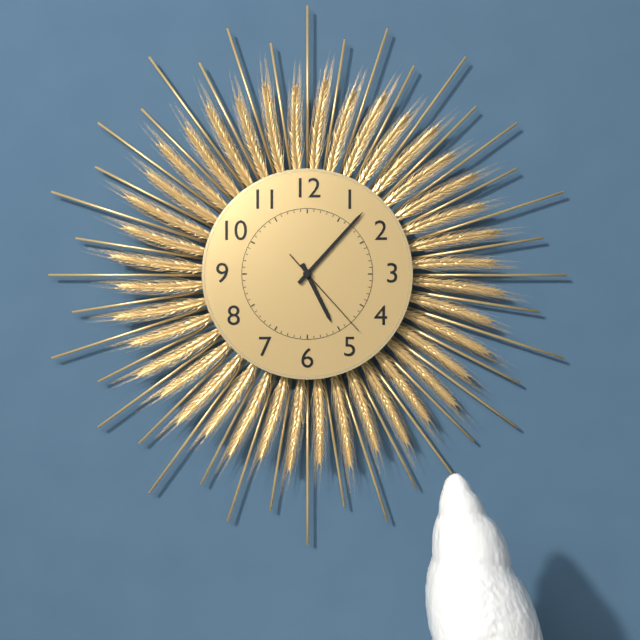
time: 5:07:23
